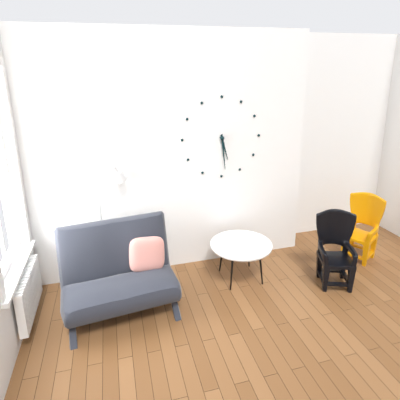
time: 5:29
